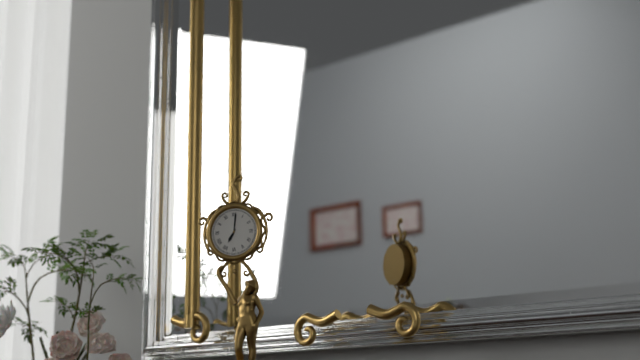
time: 7:01
